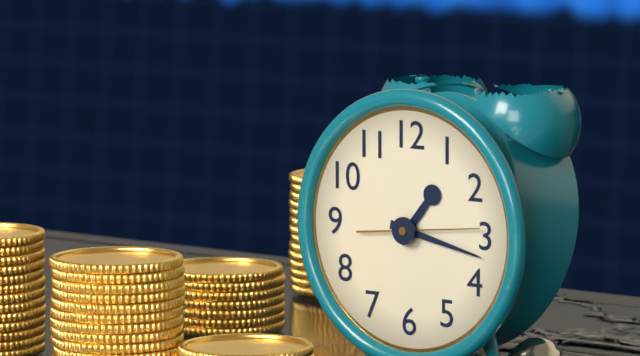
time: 1:17:14
